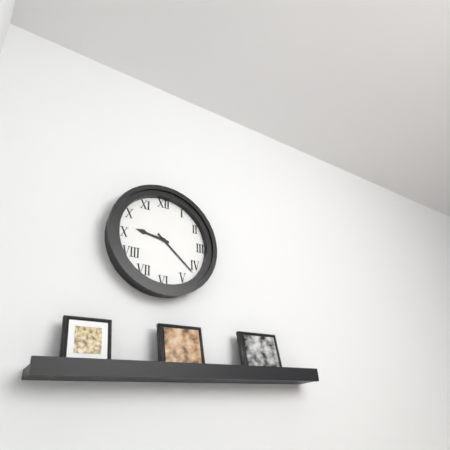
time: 9:22
